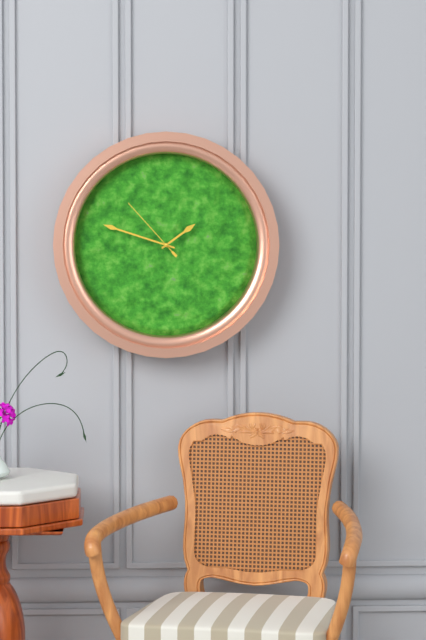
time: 1:48:53
